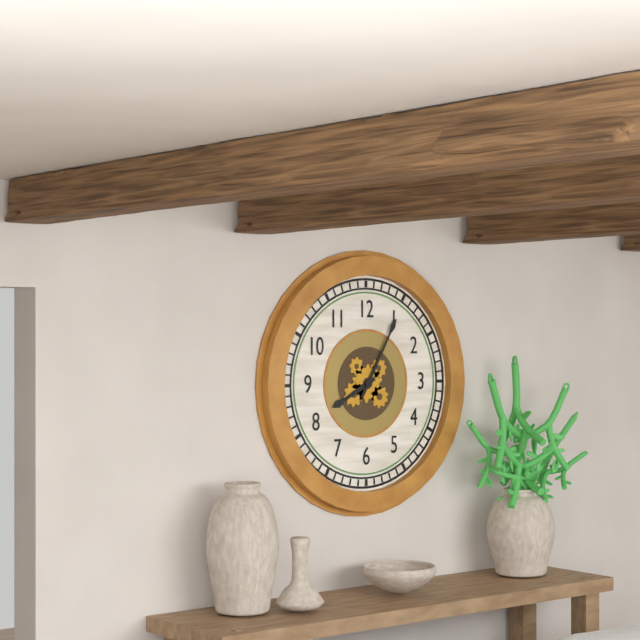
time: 8:05
